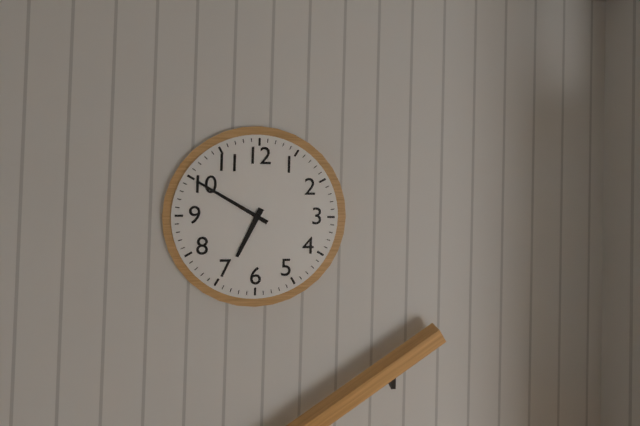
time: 6:50
